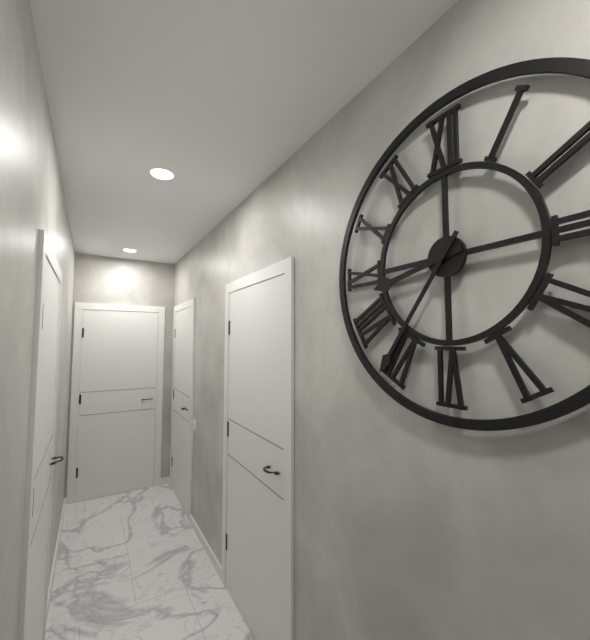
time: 8:36
